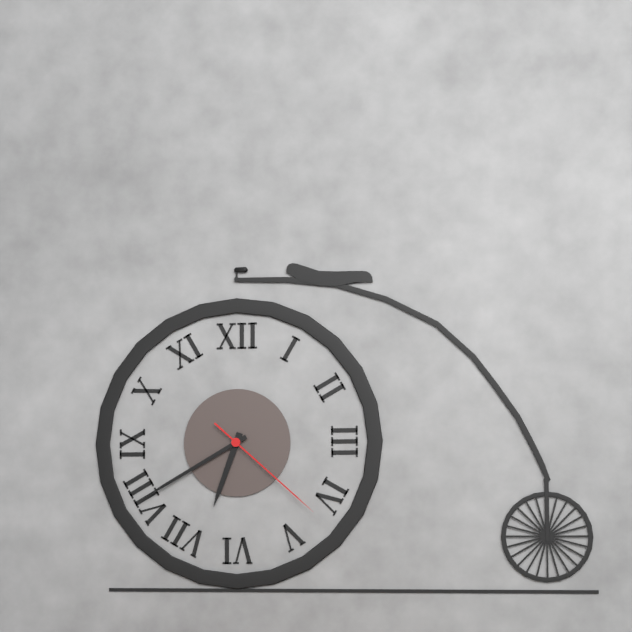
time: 6:40:22
